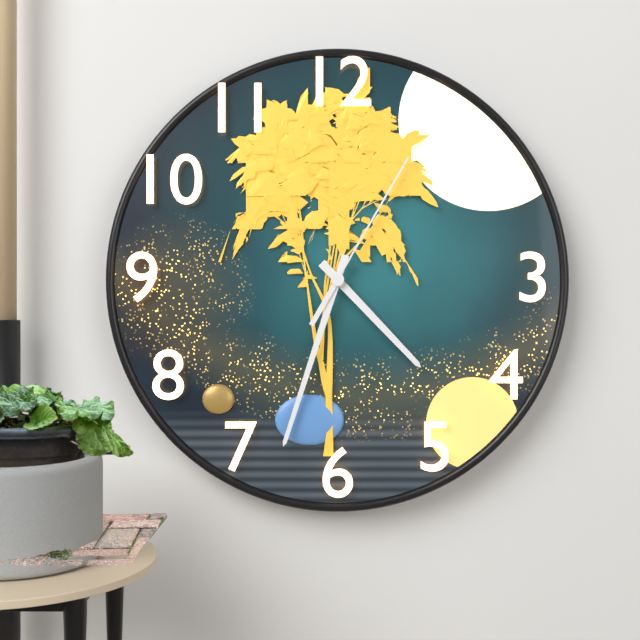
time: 4:33:05
